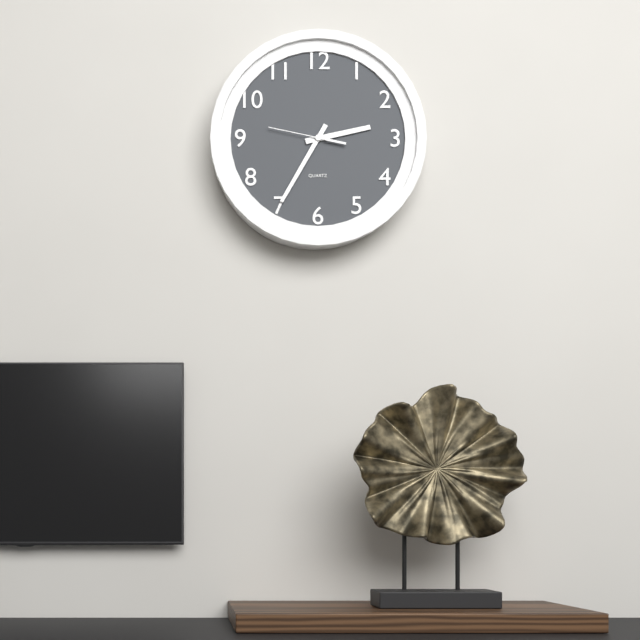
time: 2:35:47
